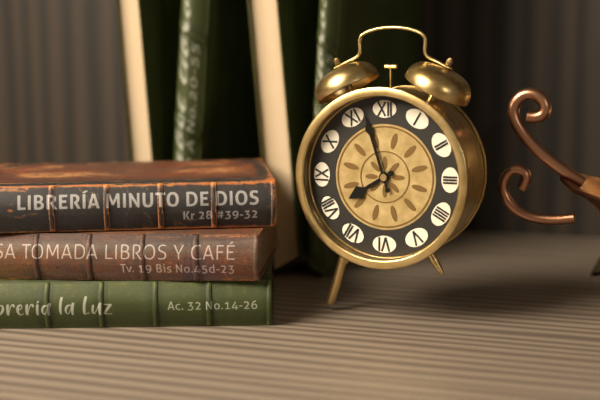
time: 7:57
